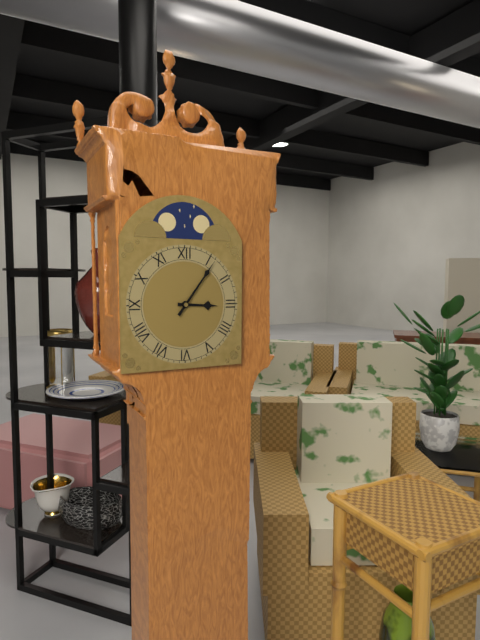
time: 3:06
